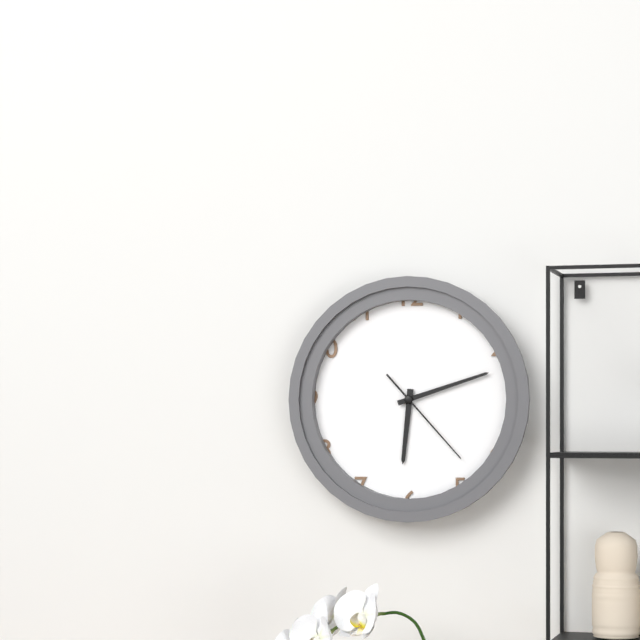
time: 6:12:23
